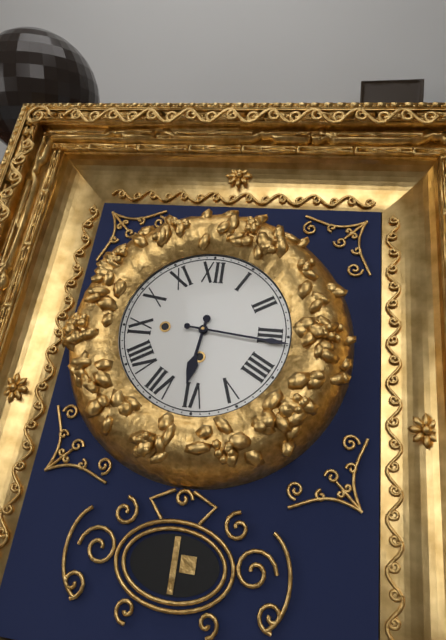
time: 6:16
